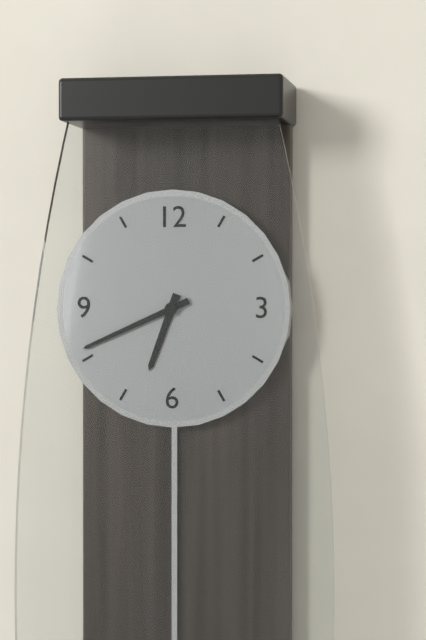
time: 6:41
